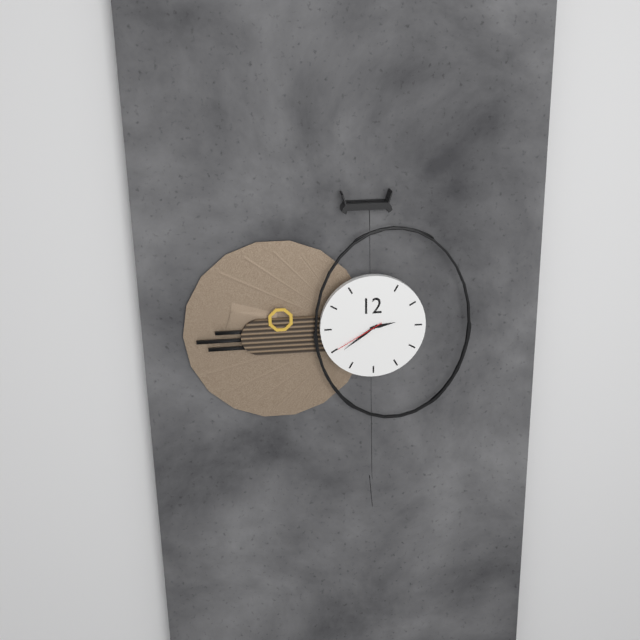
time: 2:39:40
